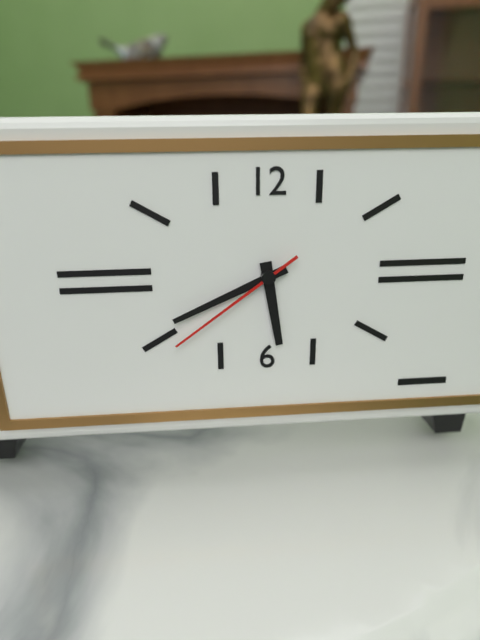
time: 5:41:39
